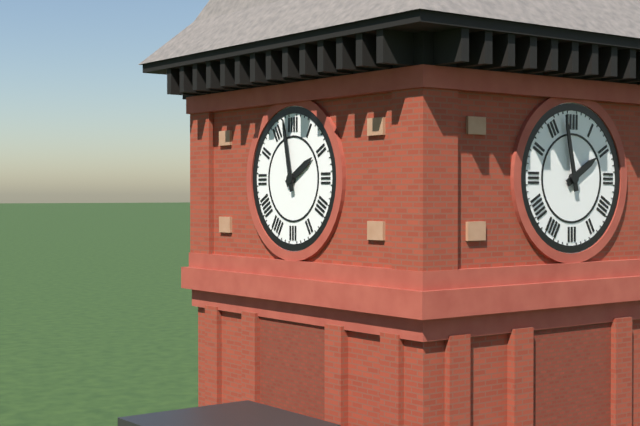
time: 1:58
